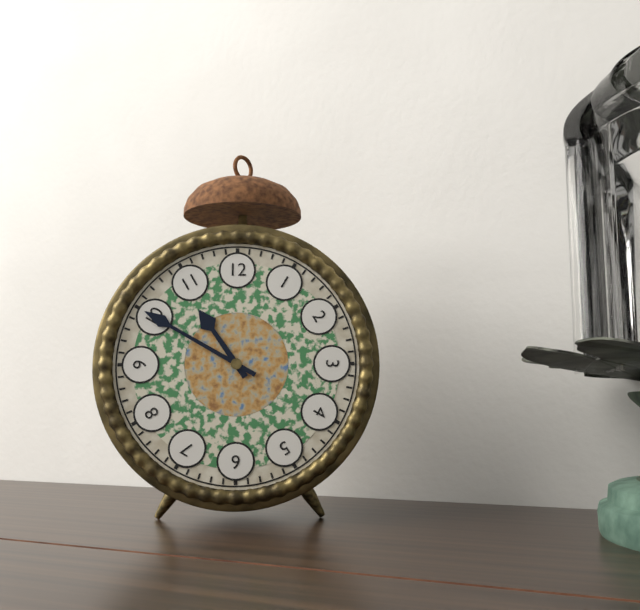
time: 10:50
